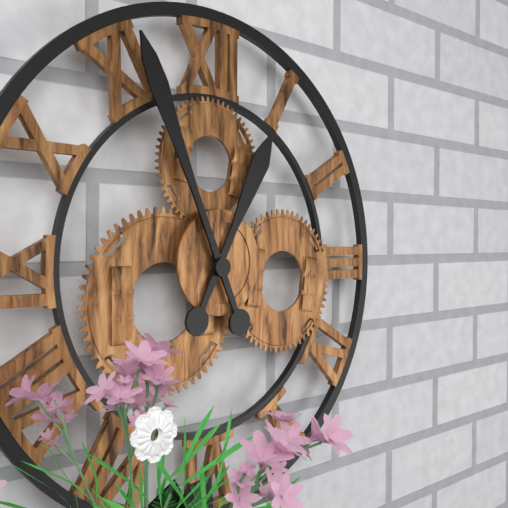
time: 12:56
